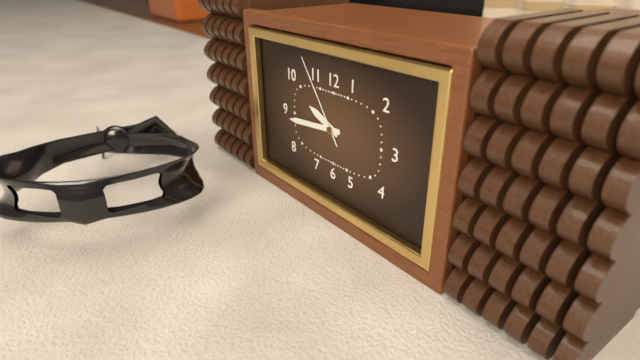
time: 9:44:54
